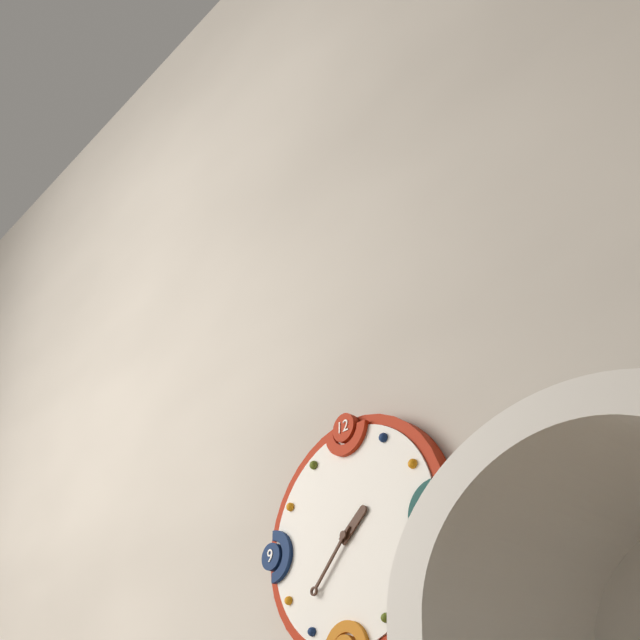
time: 1:37
